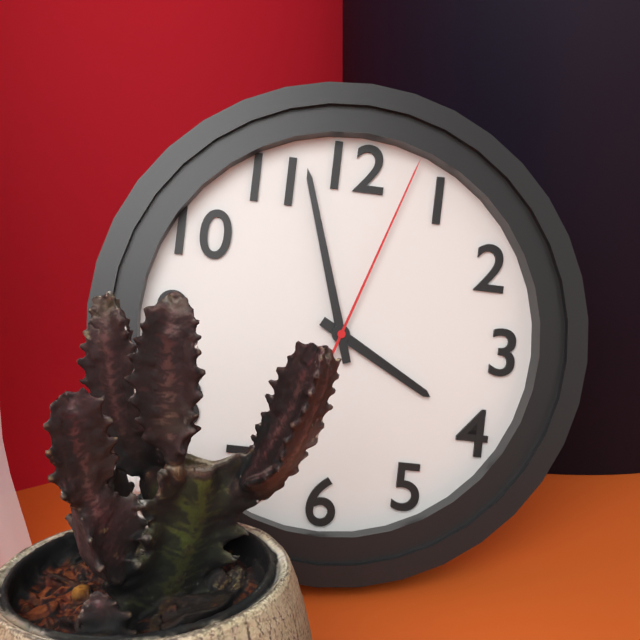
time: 3:57:03
